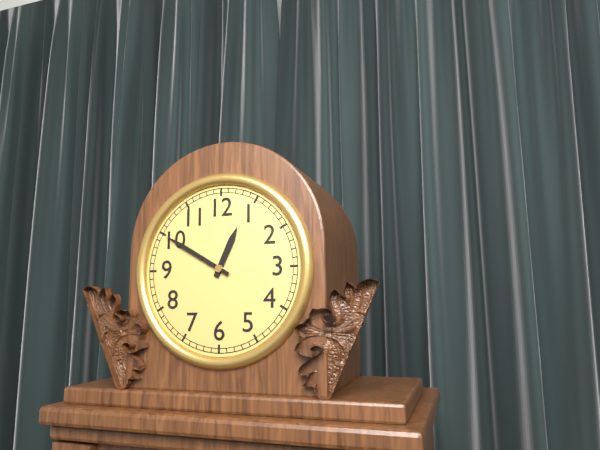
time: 12:50
